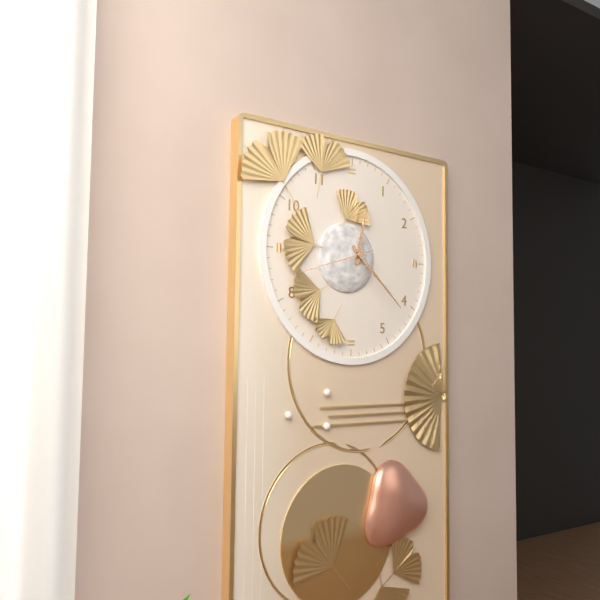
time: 12:22:42
